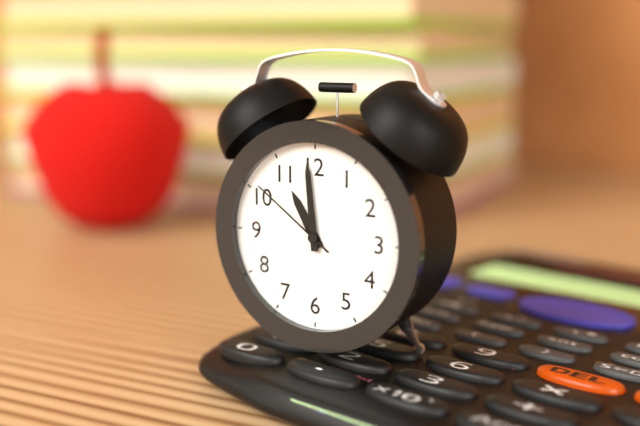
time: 10:59:51
